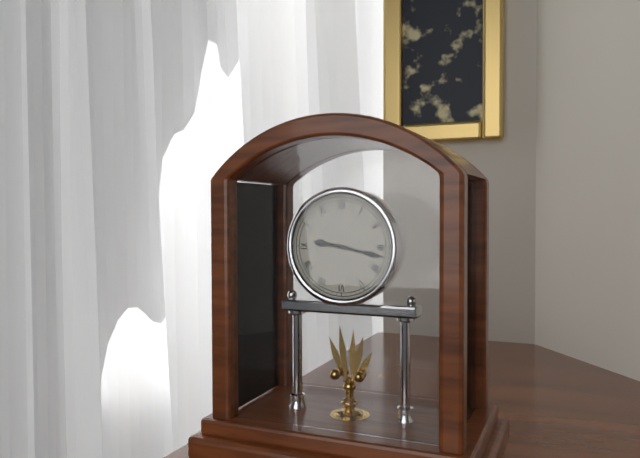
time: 9:17
